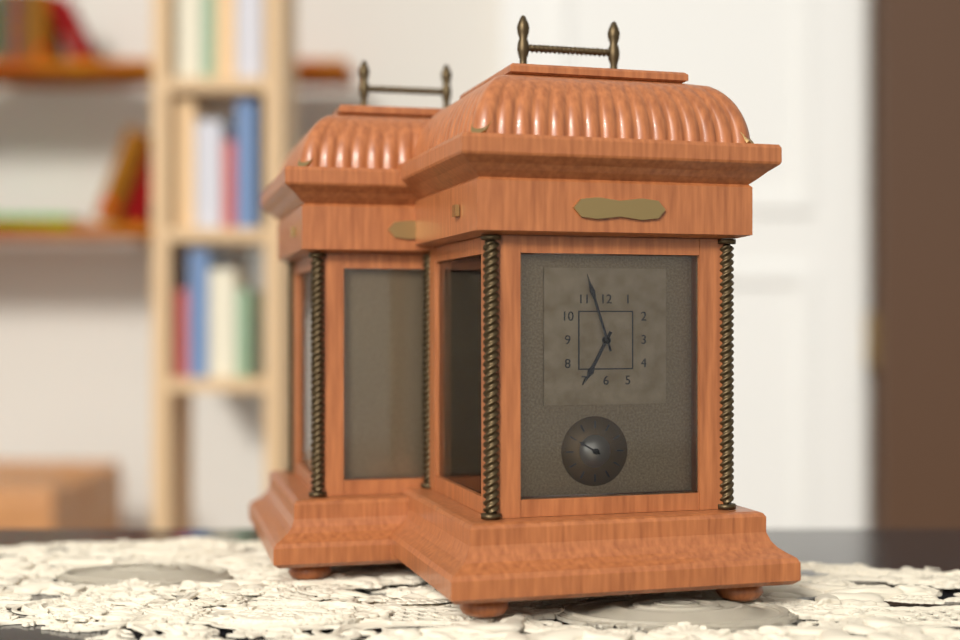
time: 6:57
